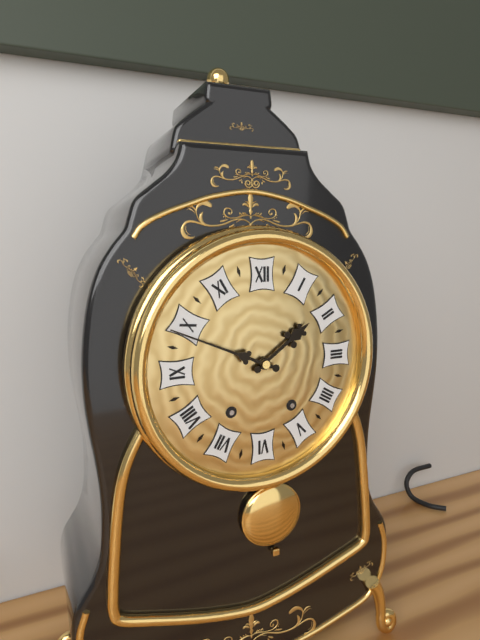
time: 1:49
